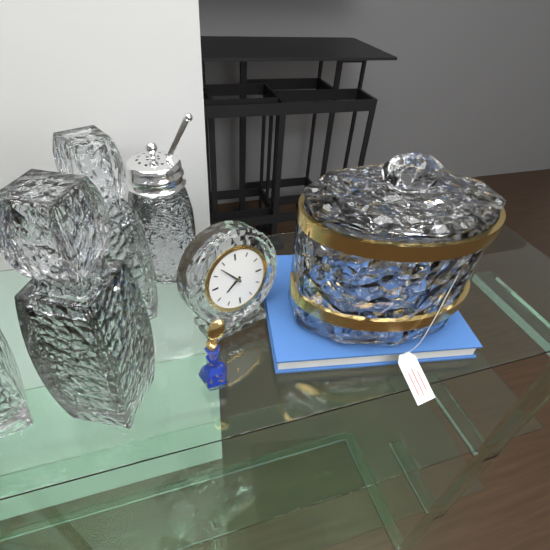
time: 7:53
